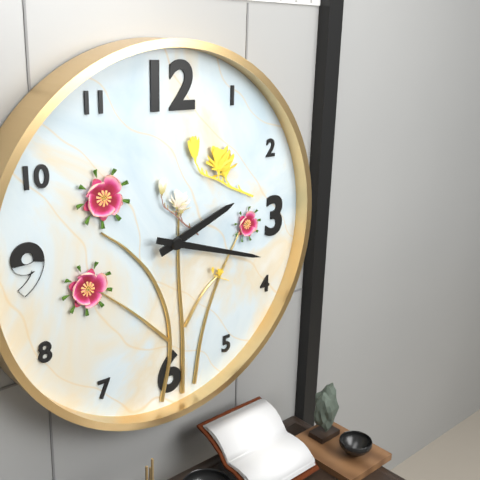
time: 2:18
